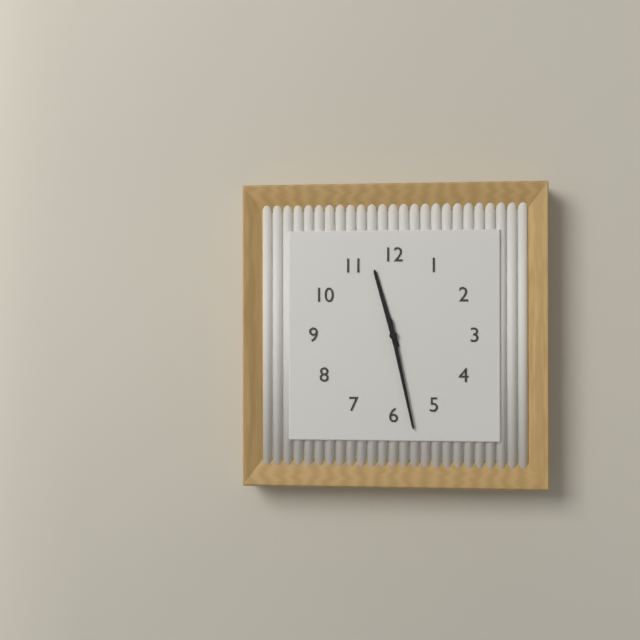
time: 11:28
